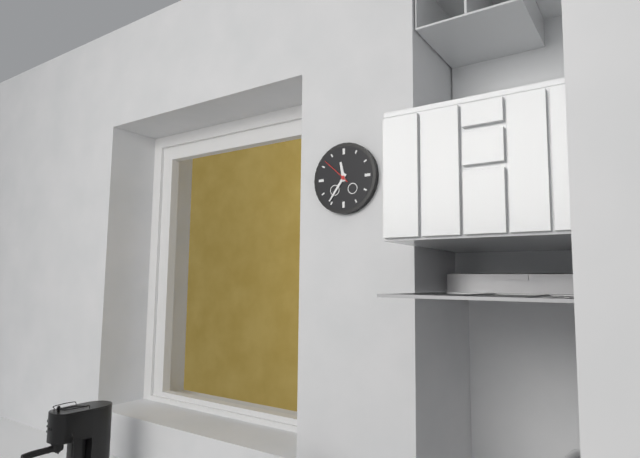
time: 11:36
